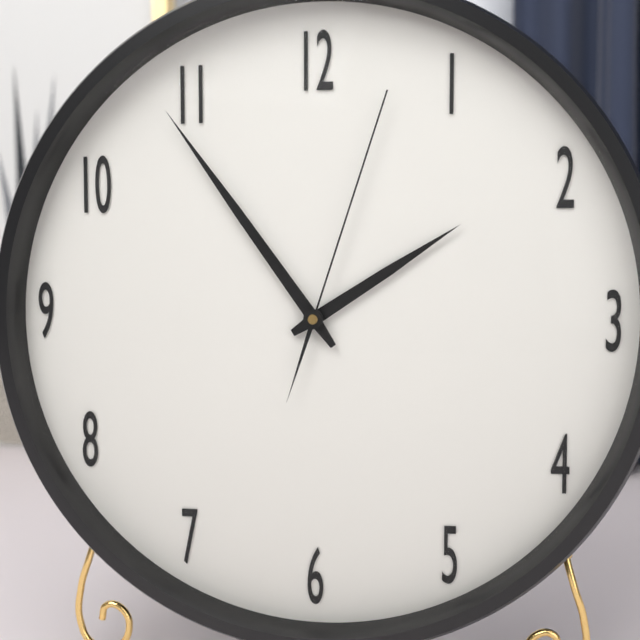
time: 1:54:03
